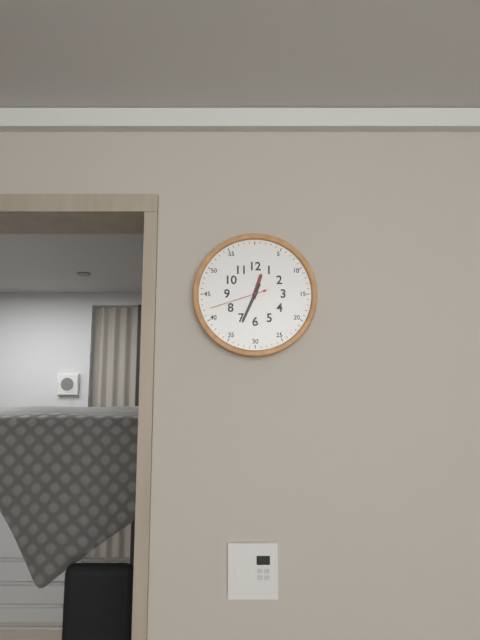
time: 12:34:42
